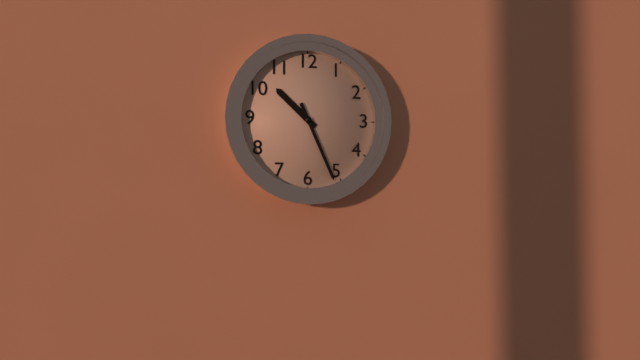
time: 10:26
